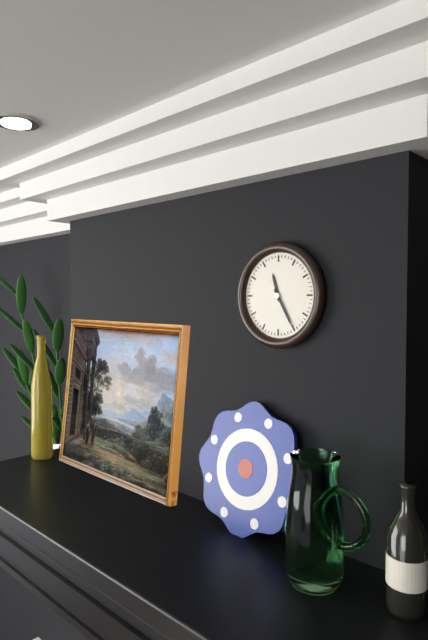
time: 11:25
